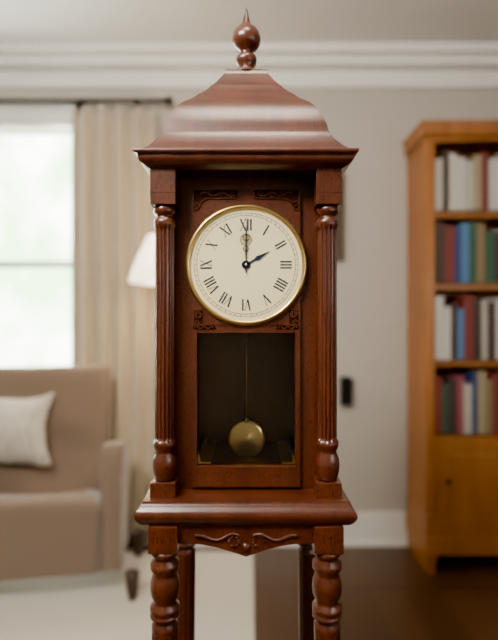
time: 2:00
